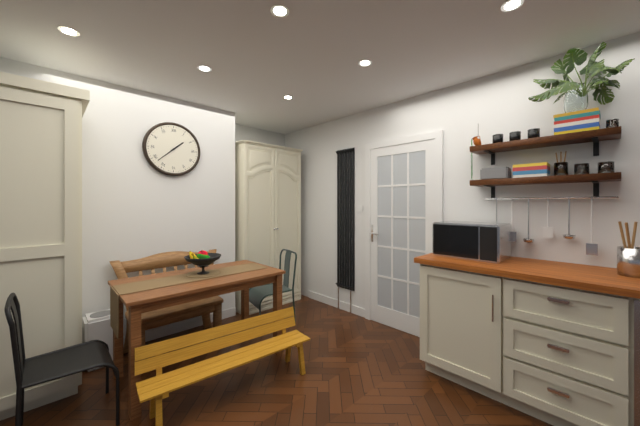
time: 1:38
